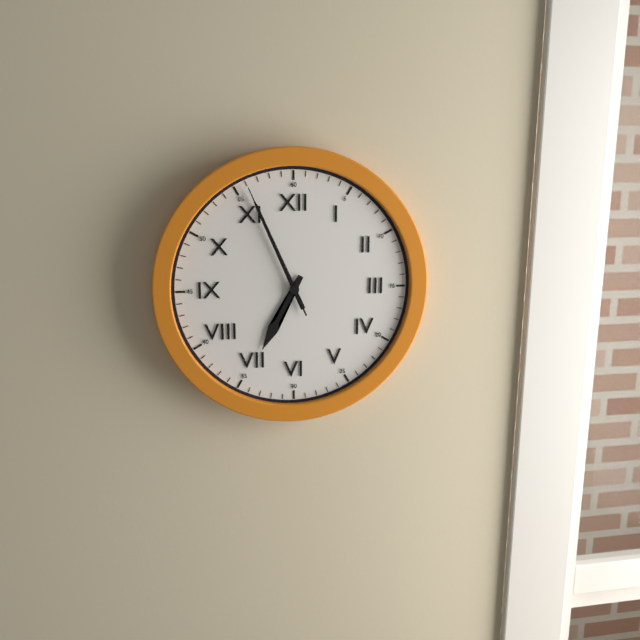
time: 6:56:56
